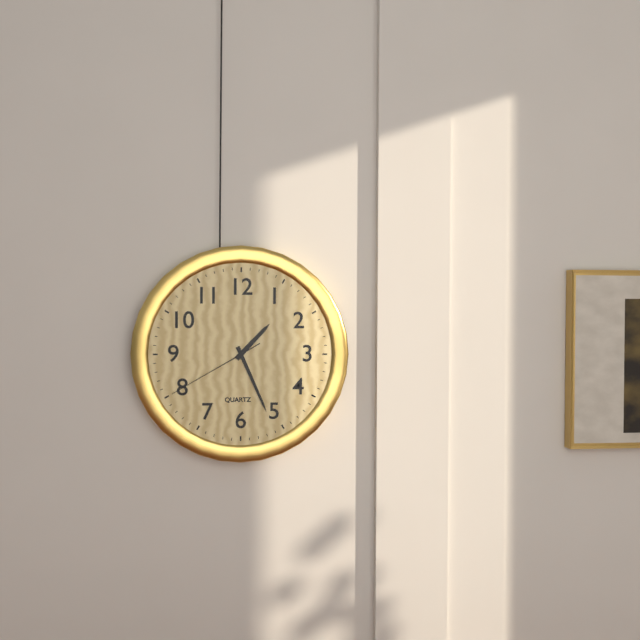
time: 1:26:40
